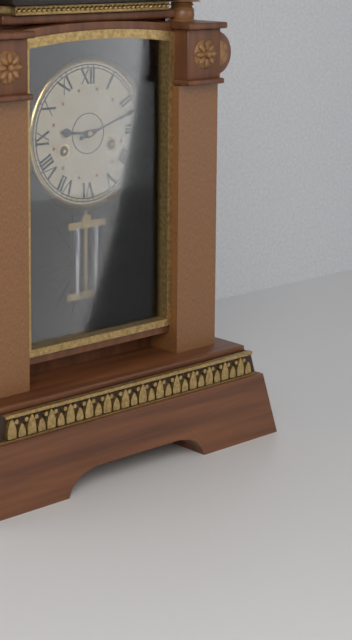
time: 9:12
